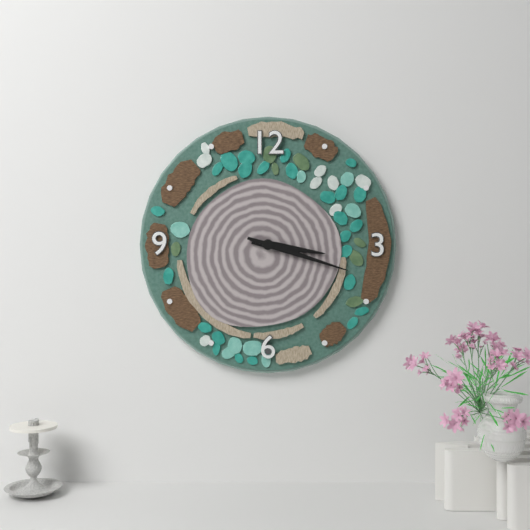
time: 3:18
